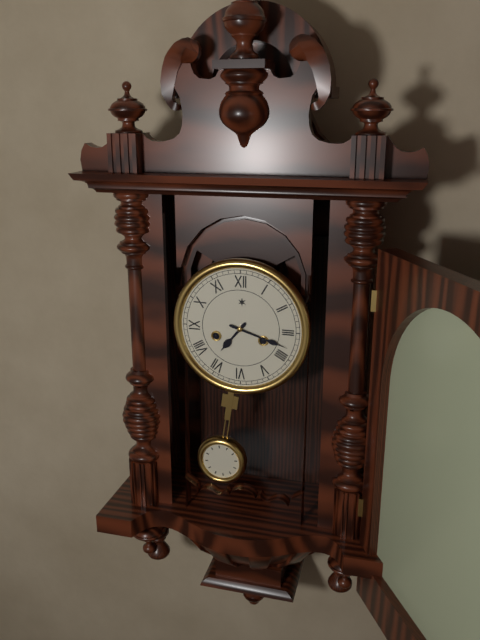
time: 7:18
